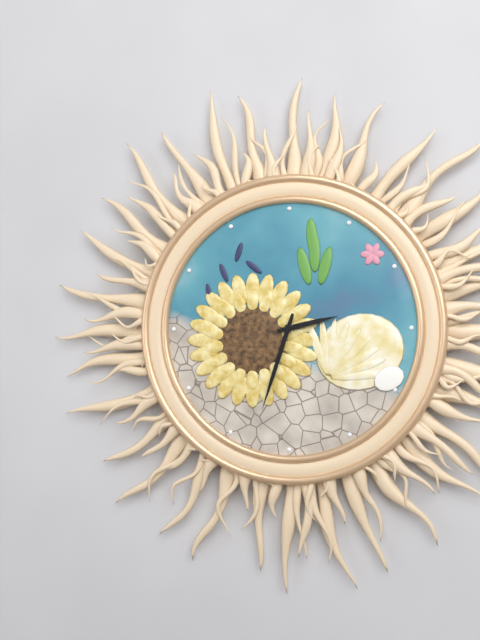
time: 2:33
